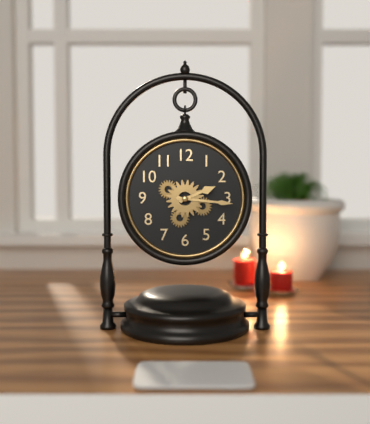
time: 2:16
